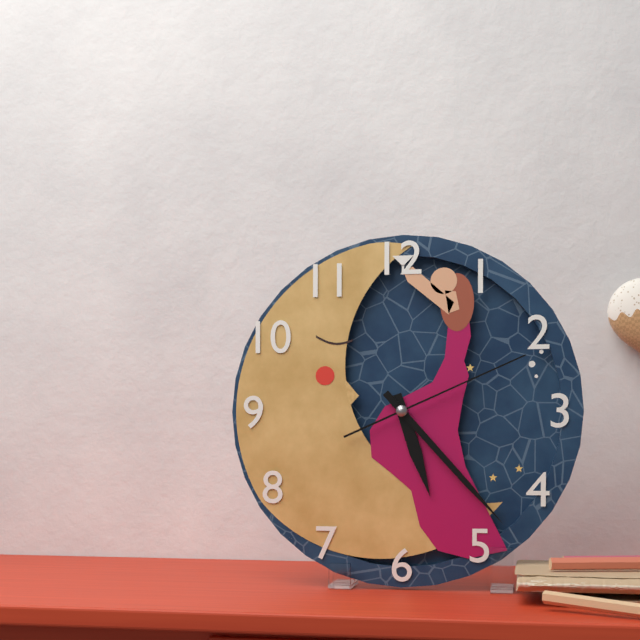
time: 5:23:11
